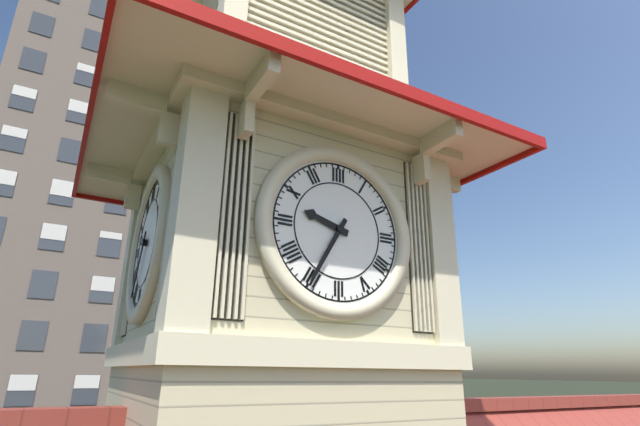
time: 9:35
